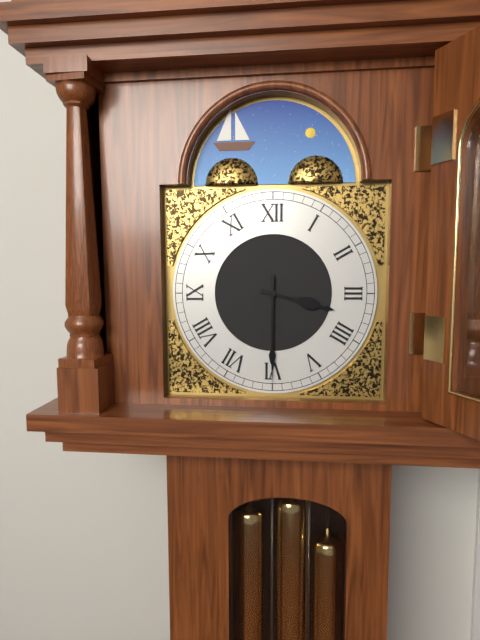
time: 3:30
